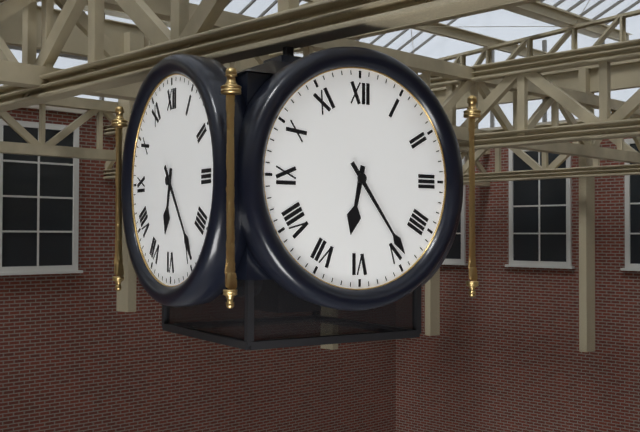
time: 6:24
